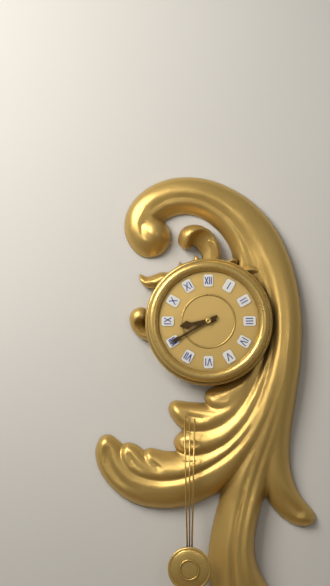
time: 8:40
